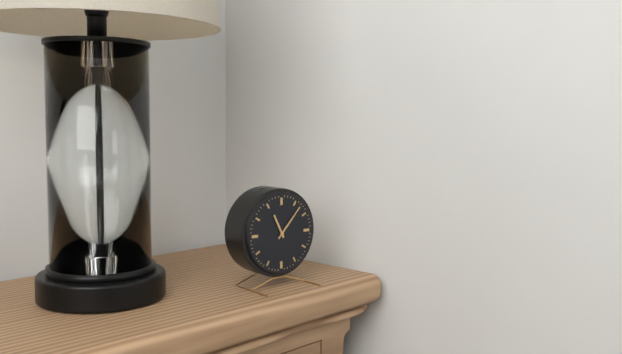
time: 11:07
